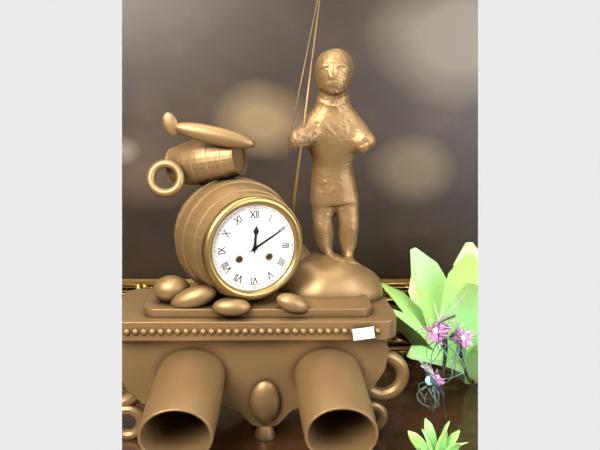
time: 12:10
